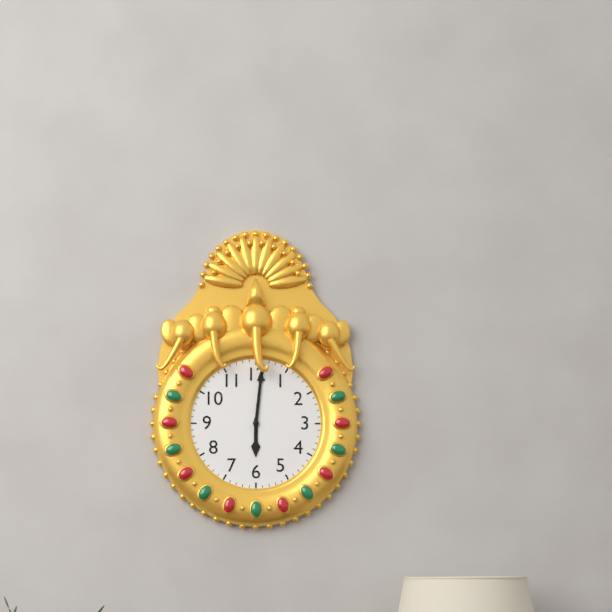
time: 6:01
